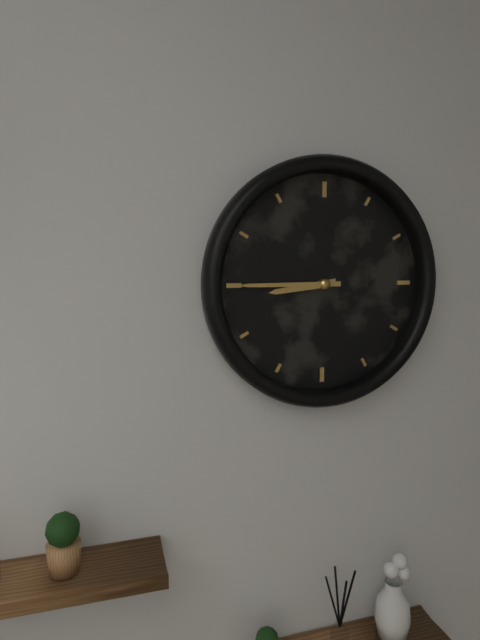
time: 8:45
